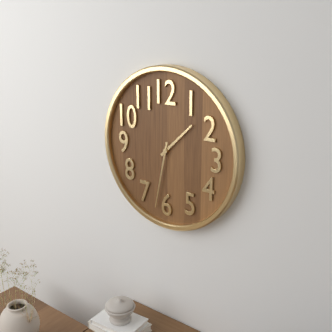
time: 1:32
